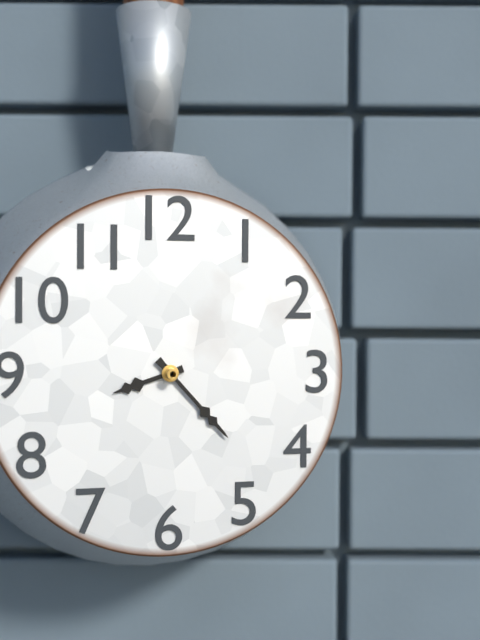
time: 8:23
